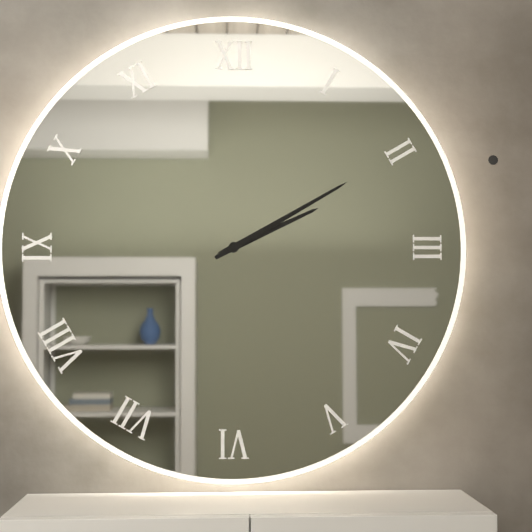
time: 2:10
